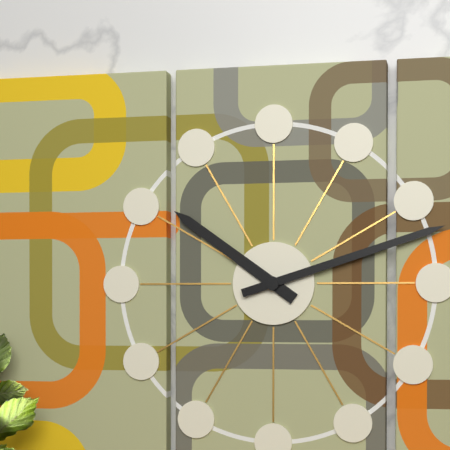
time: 10:12
